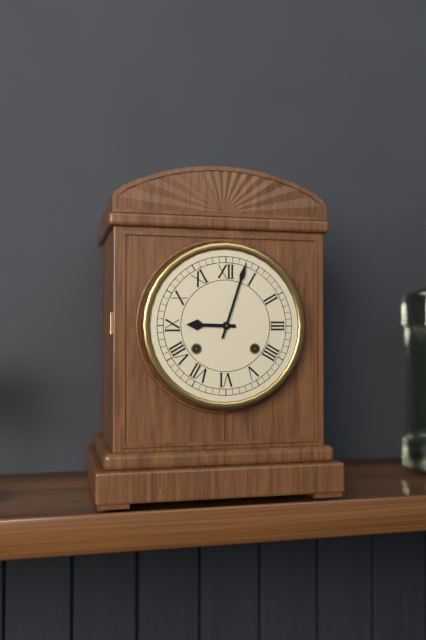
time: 9:03
